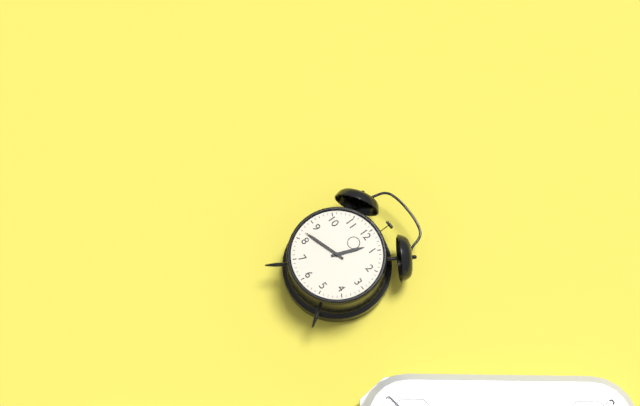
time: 12:42
